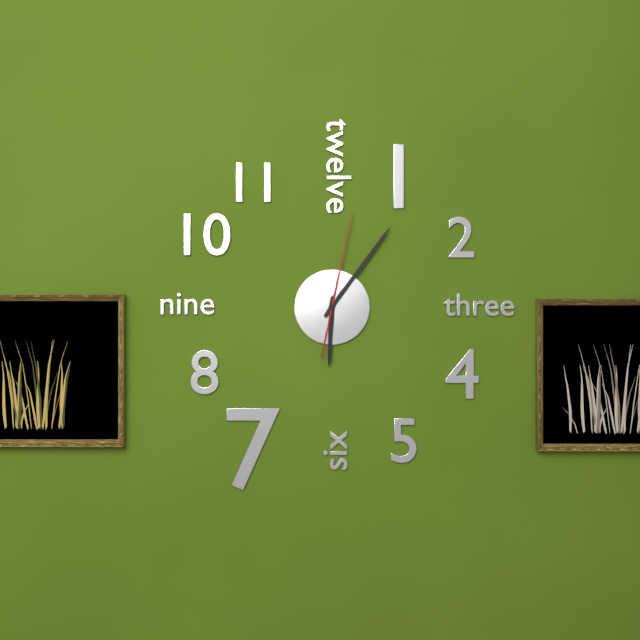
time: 6:06:02
